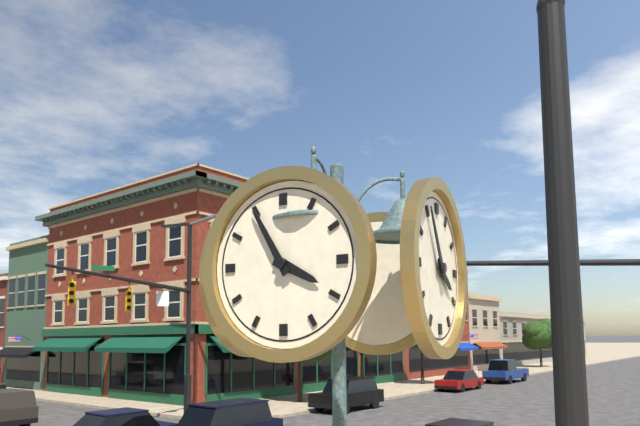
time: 3:55
